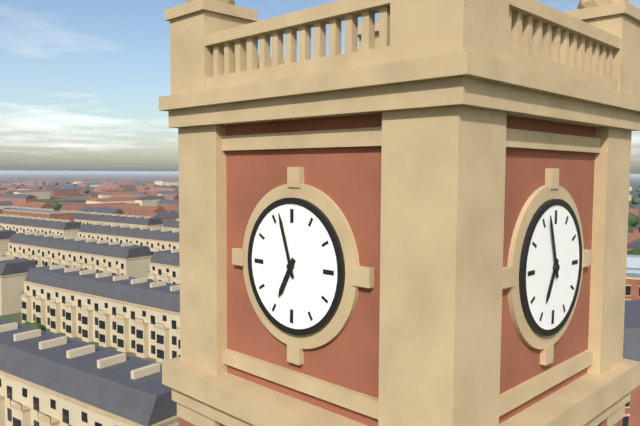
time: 6:57
